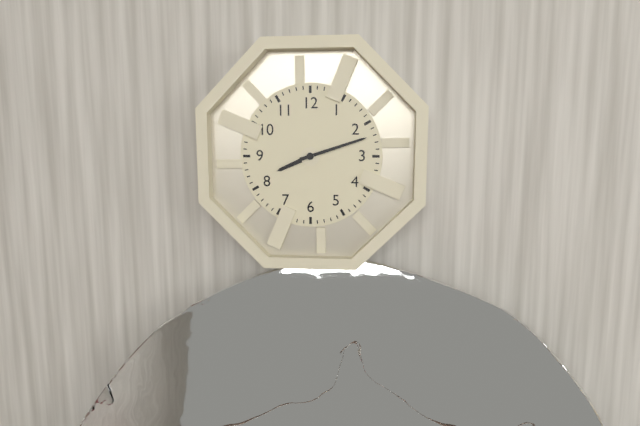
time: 8:12
